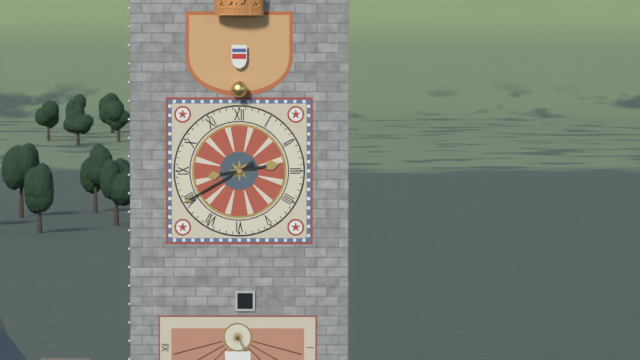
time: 2:40
